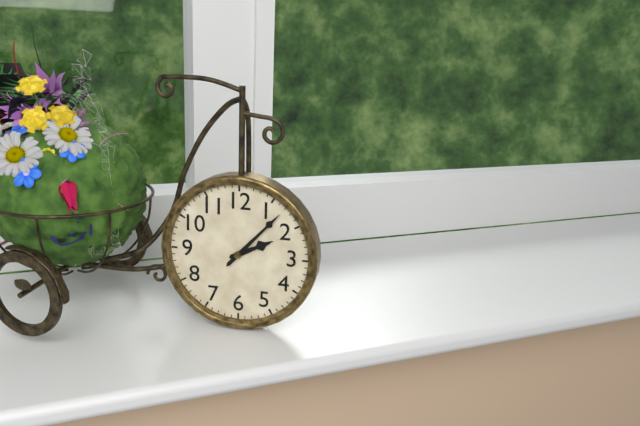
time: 2:07
